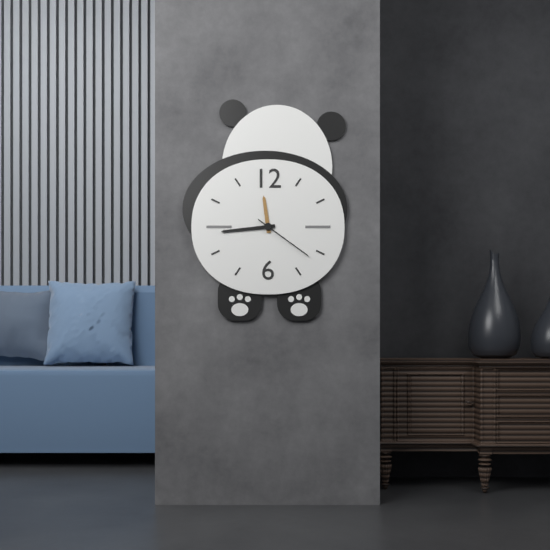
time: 11:44:21
